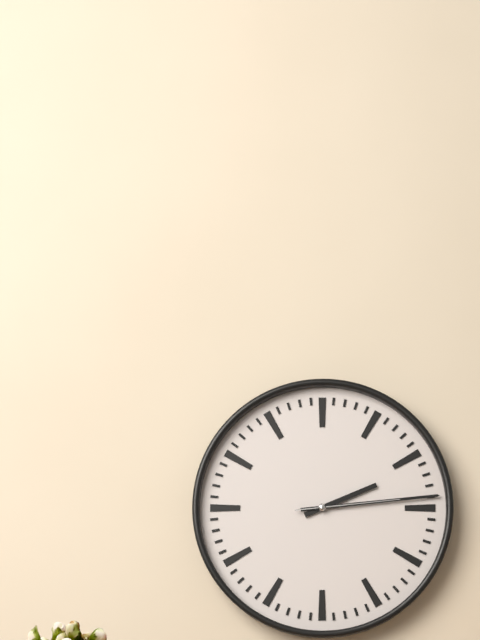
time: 2:14:14
